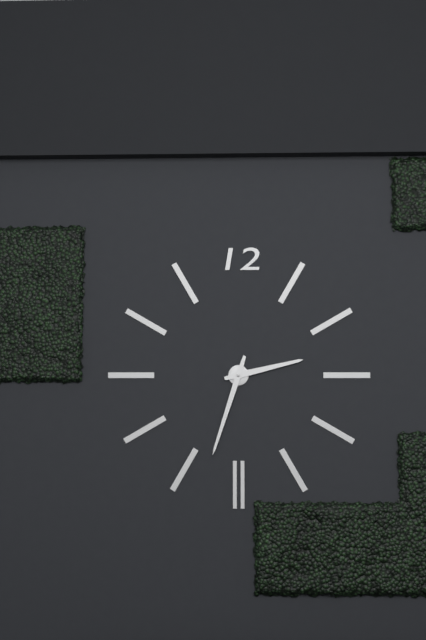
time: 2:33
